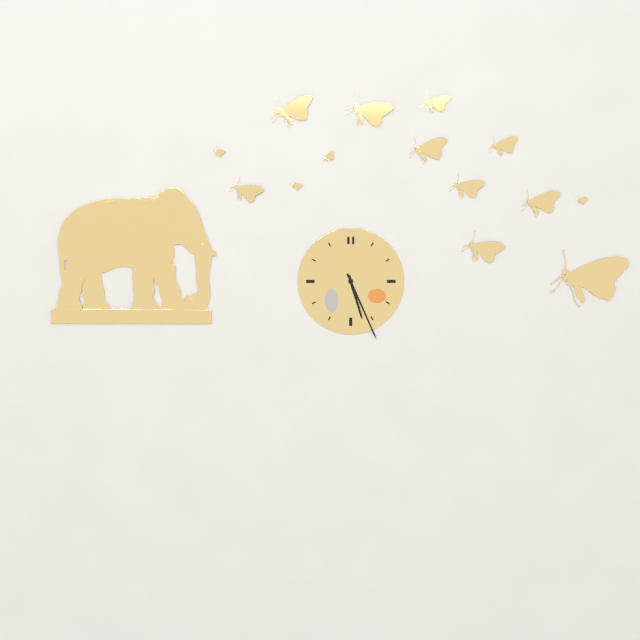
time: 5:26
